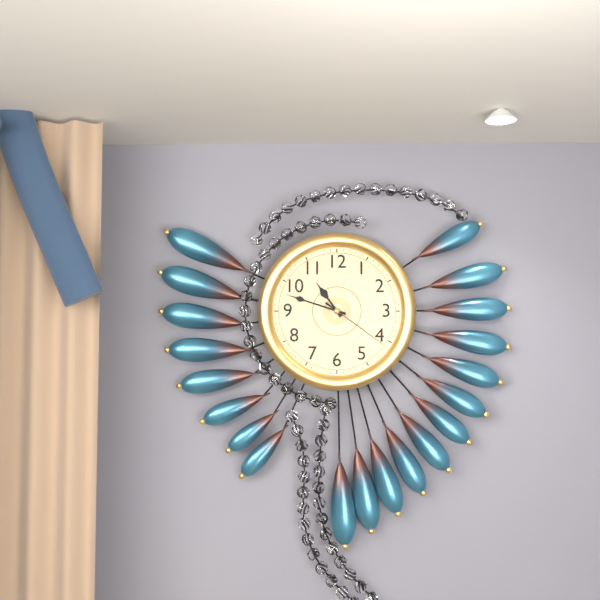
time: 10:48:21
